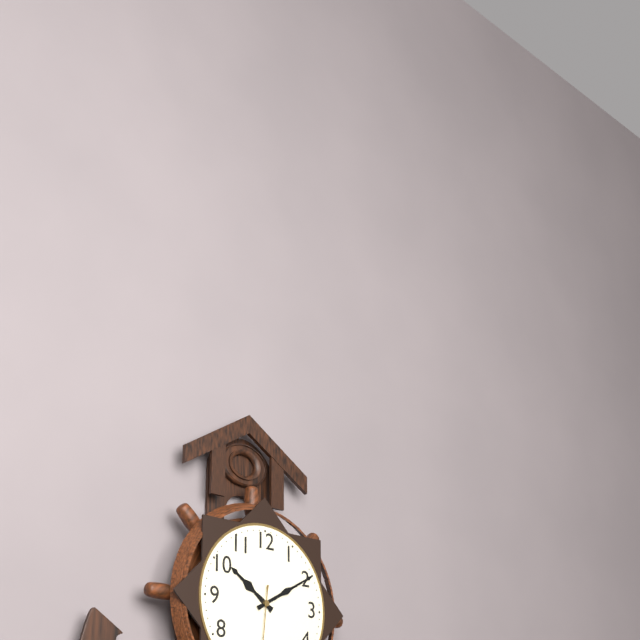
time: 10:10
